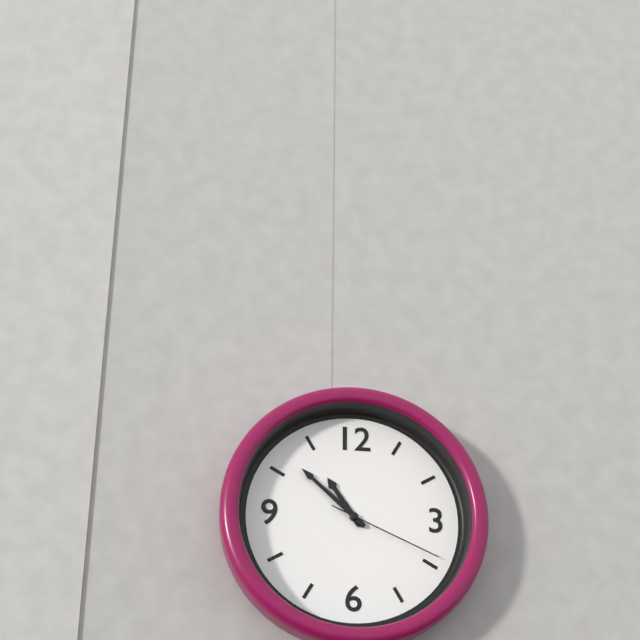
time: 10:52:19
